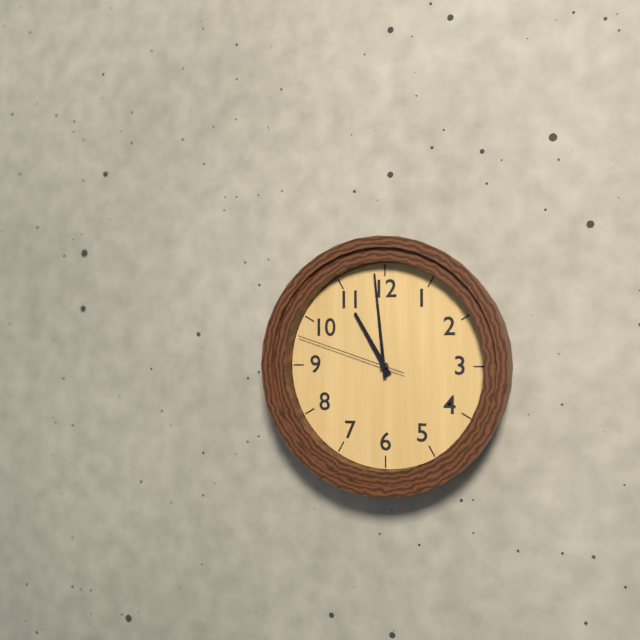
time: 10:59:48
